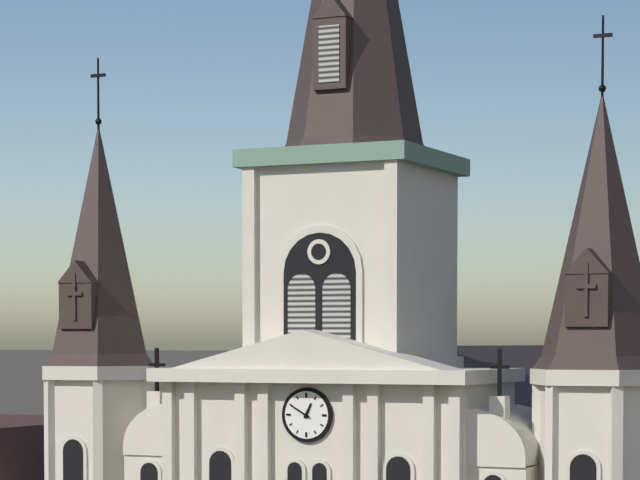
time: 12:50
